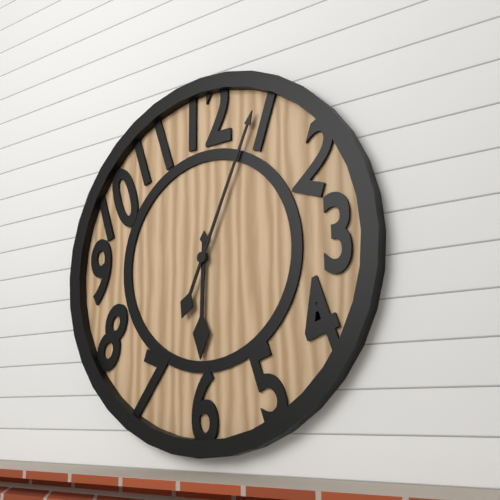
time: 6:04
